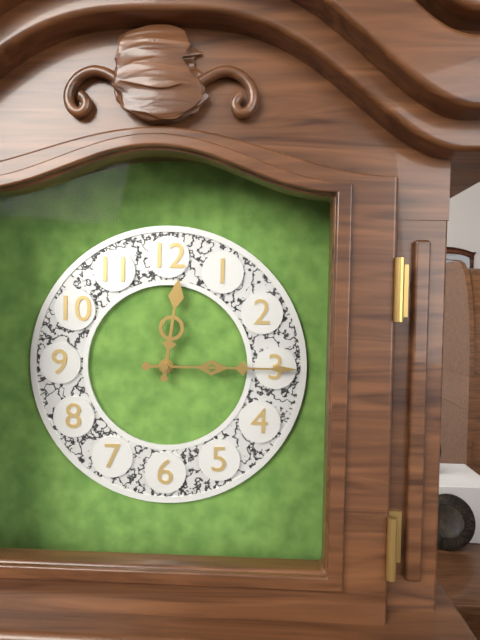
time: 12:15
